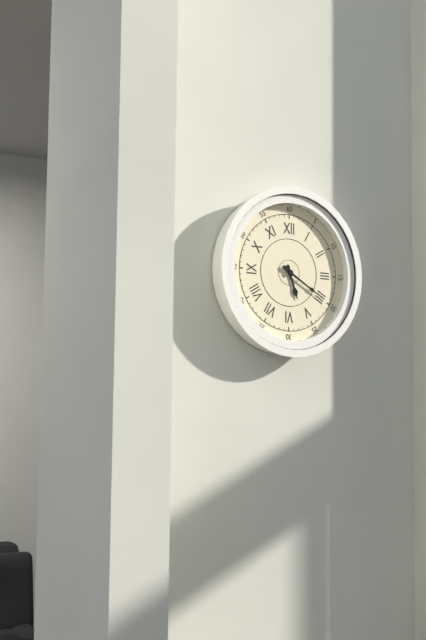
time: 5:20
